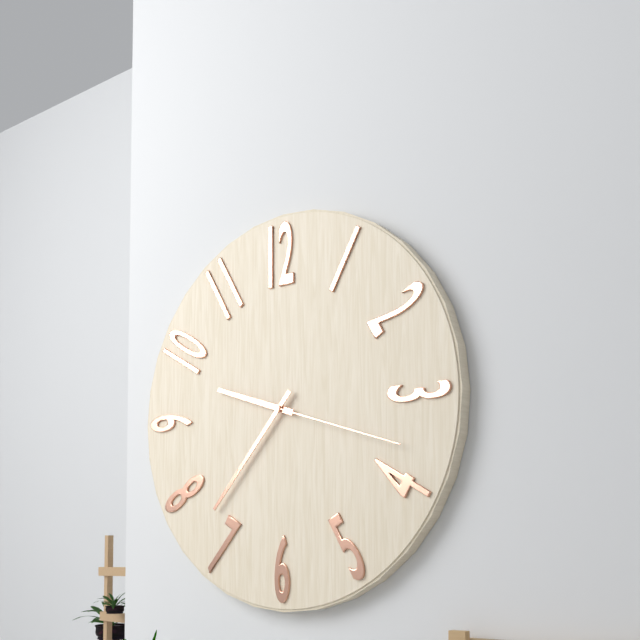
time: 9:37:18
